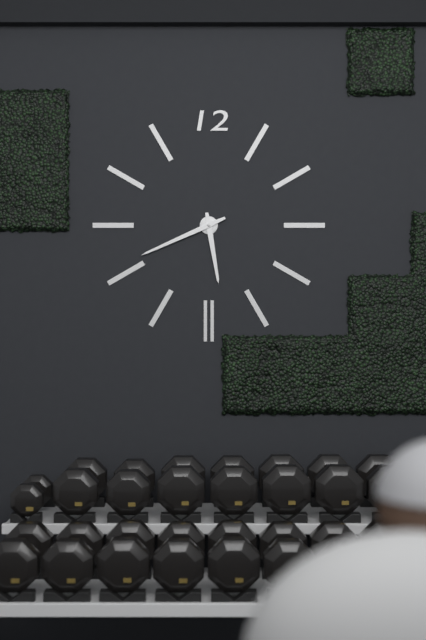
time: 5:41
